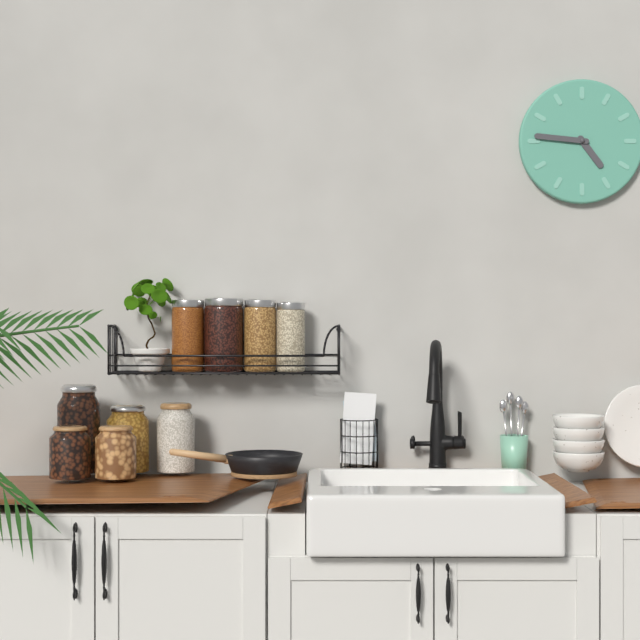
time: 4:46
